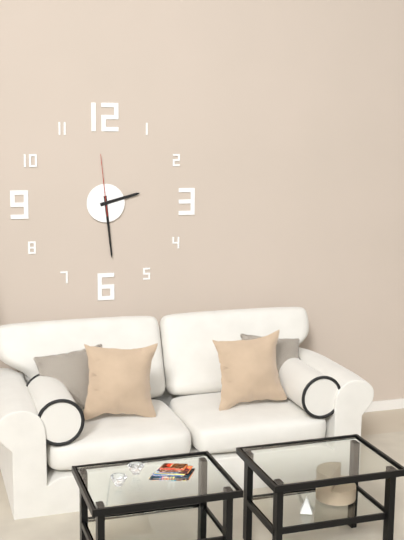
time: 2:29:59
